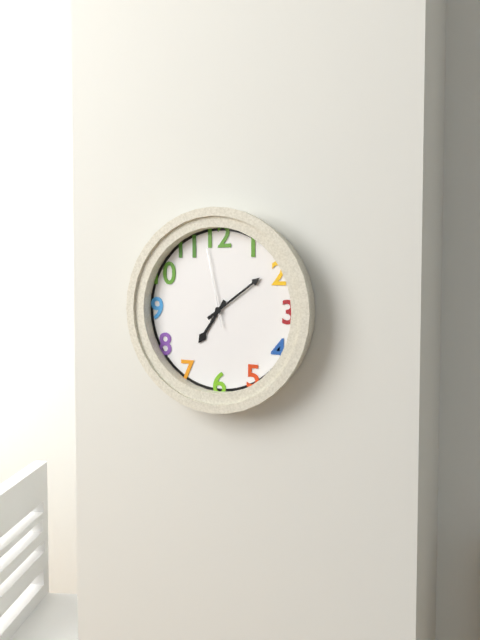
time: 7:09:58
